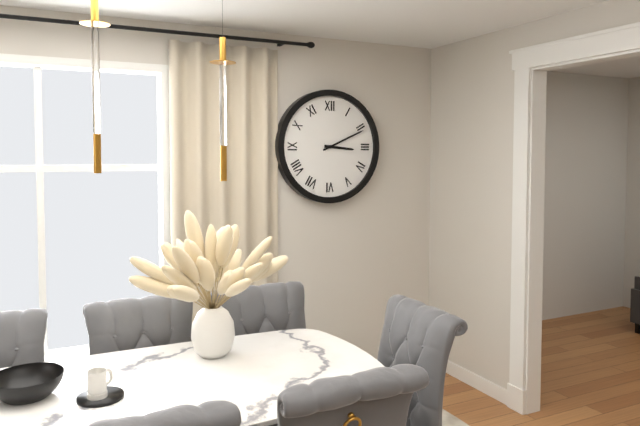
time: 3:11
